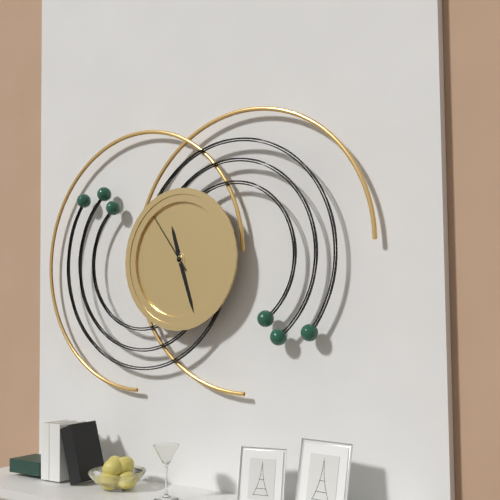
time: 11:27:54
